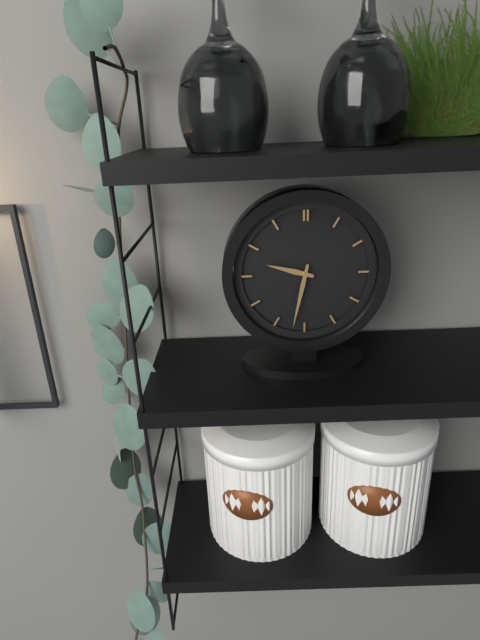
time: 9:32
